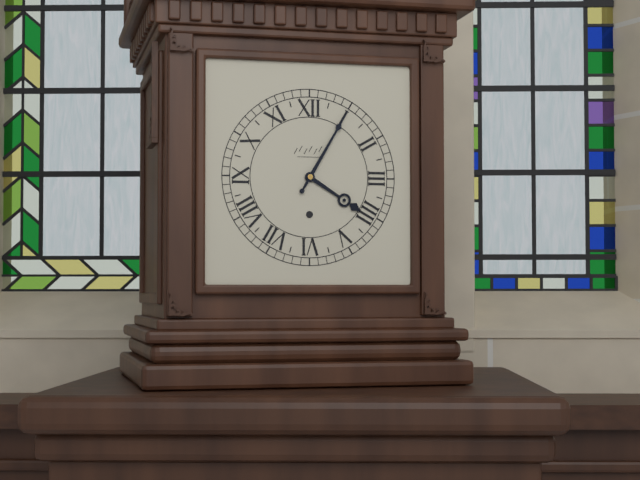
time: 4:05
